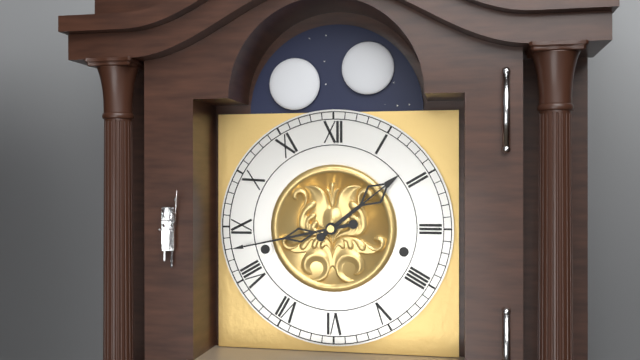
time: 1:43
